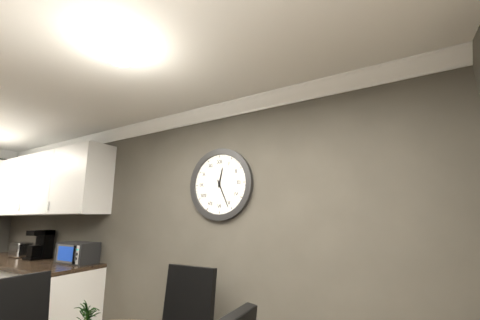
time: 12:26
